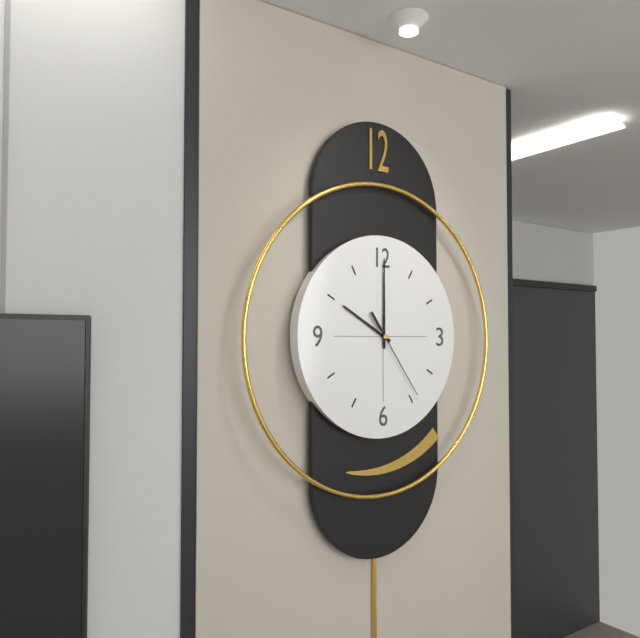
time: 10:00:24
